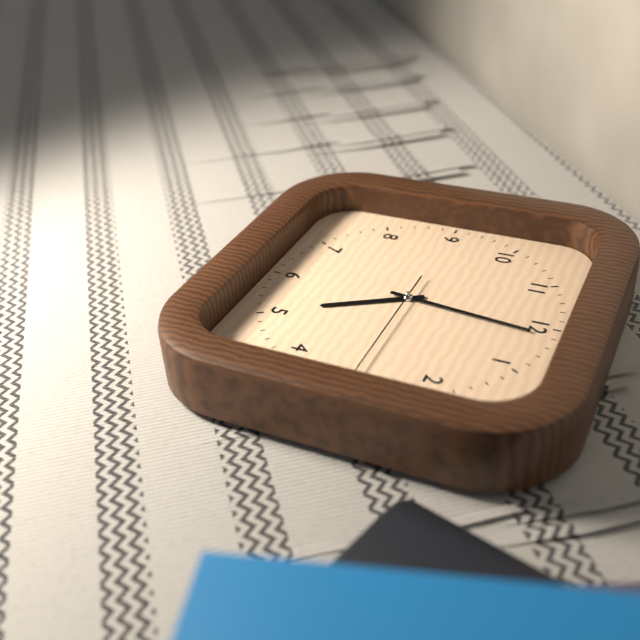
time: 5:01:15
